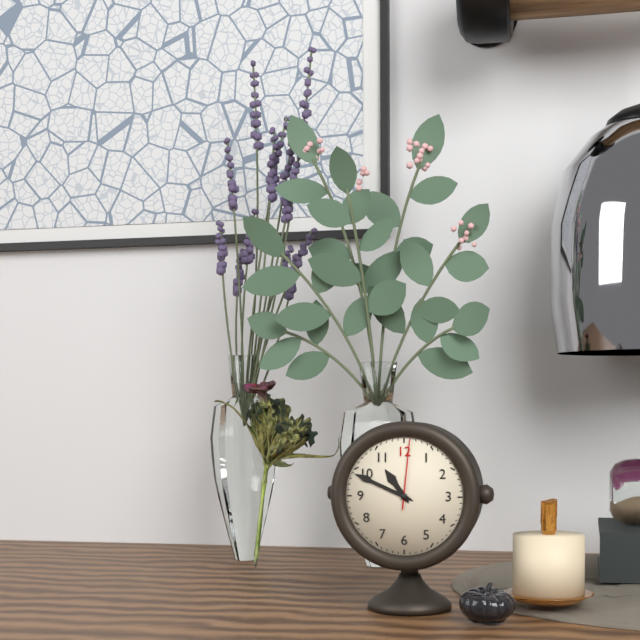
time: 10:49:01
